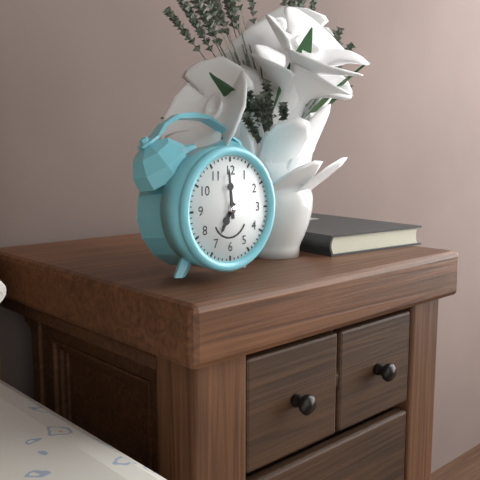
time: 6:59
